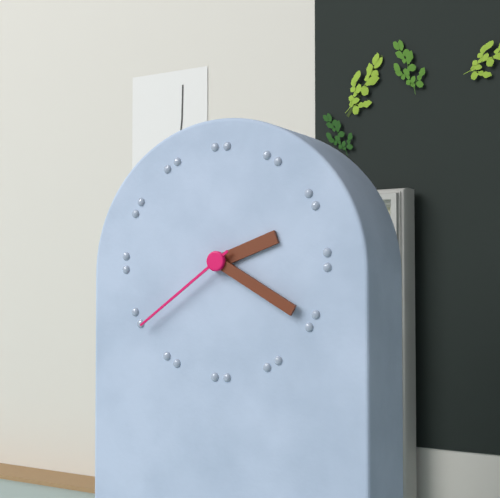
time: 2:20:39
